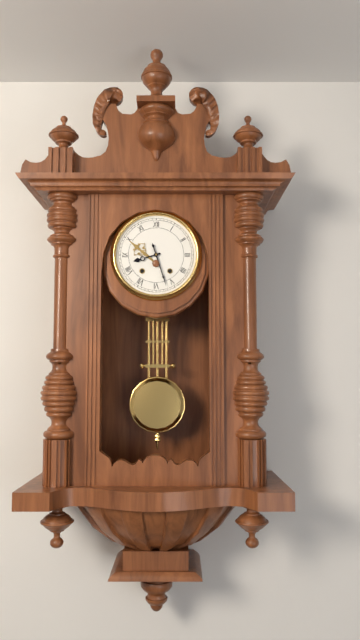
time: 8:27
